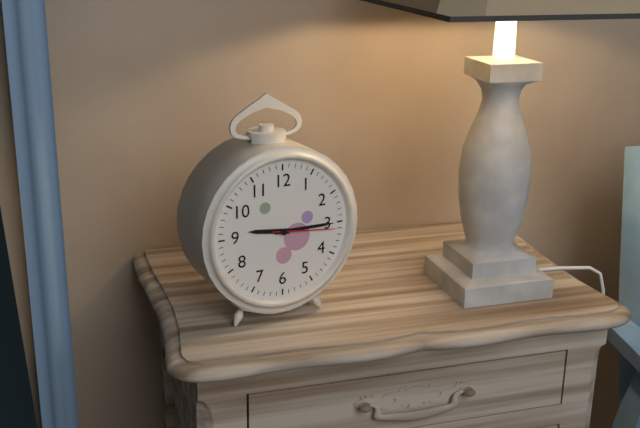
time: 9:15:16
